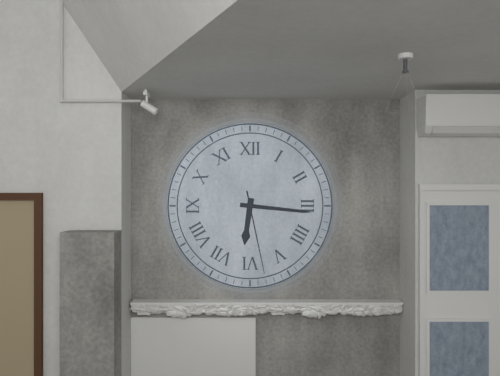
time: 6:16:28
